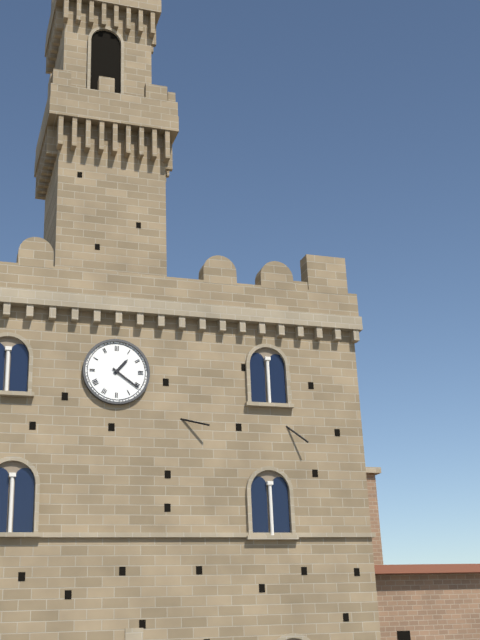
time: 1:21
